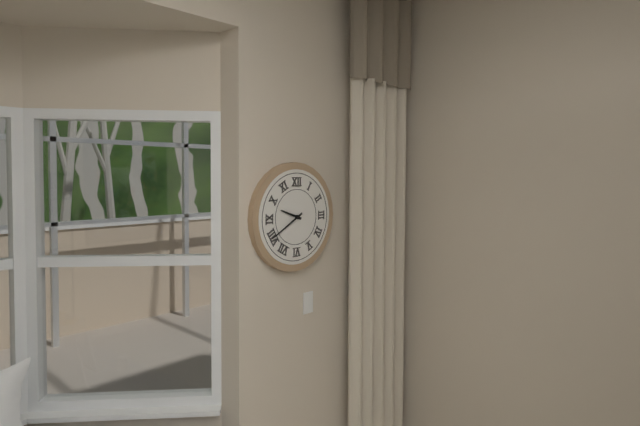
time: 9:40
